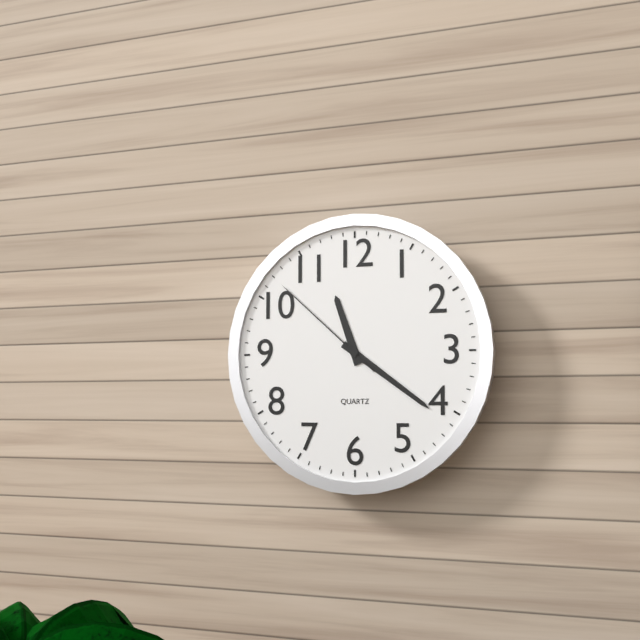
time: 11:21:52
